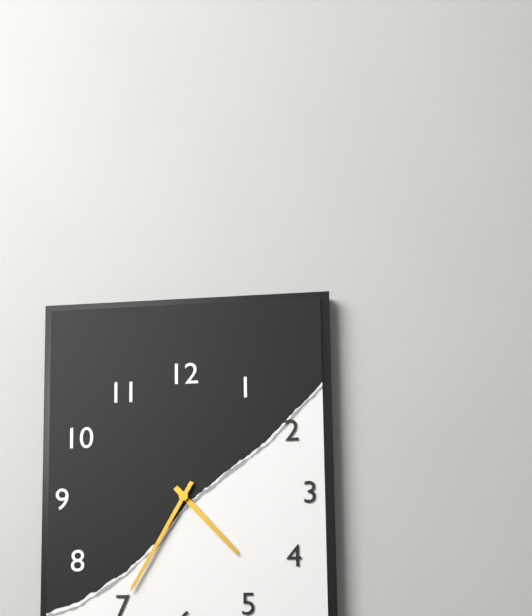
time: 4:35
